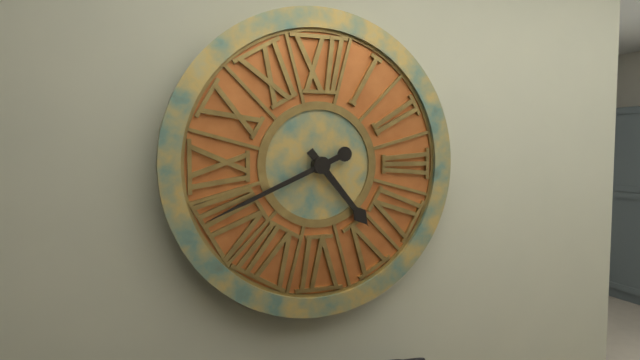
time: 4:41
